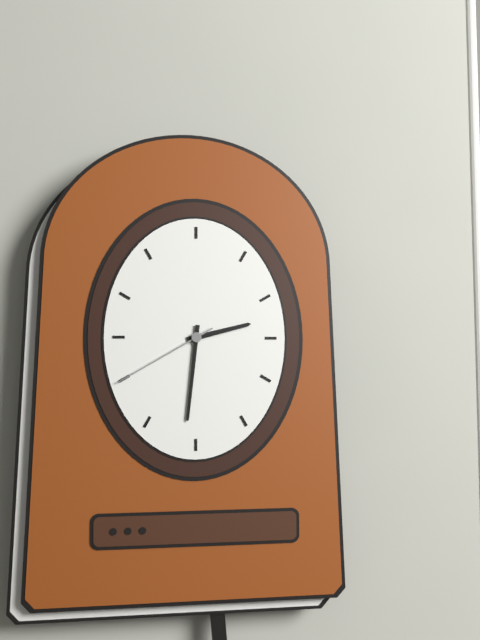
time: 2:31:40
